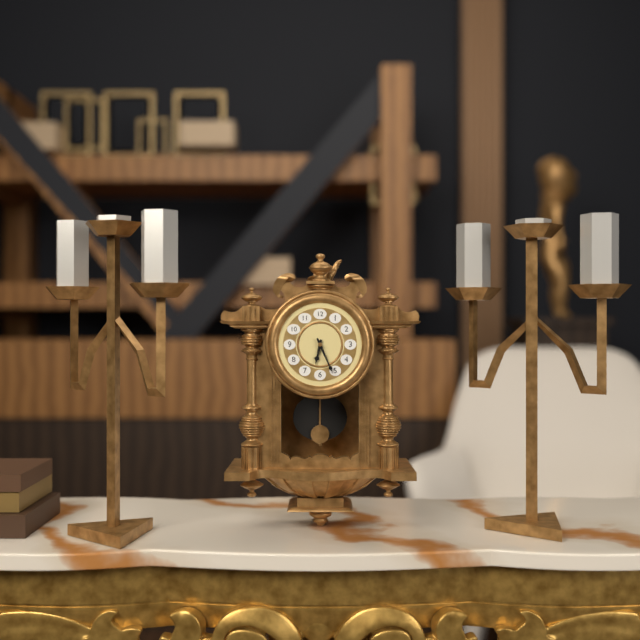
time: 6:26
